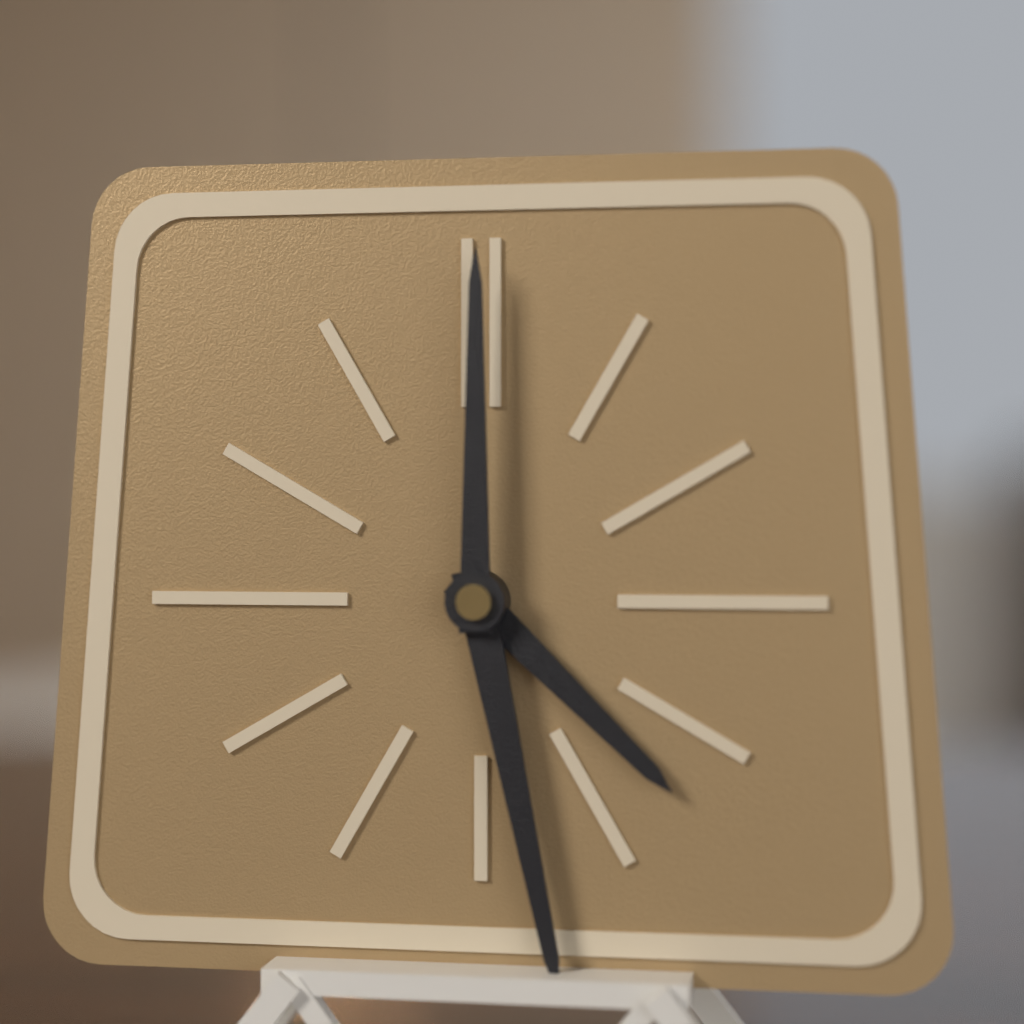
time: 4:28:00
